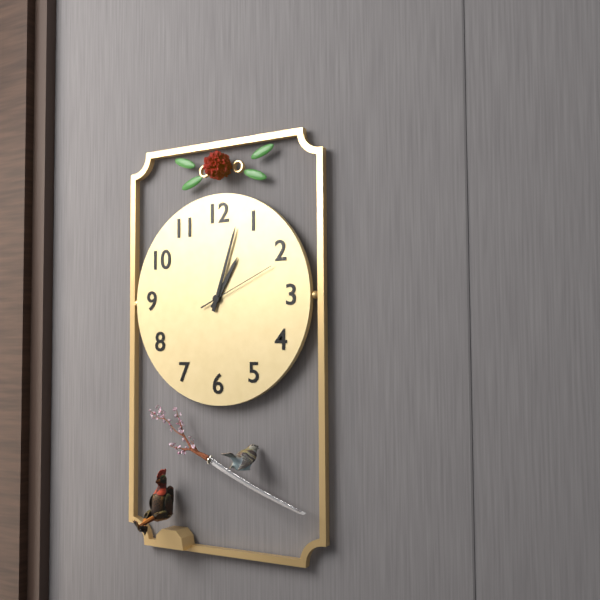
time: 1:03:11
